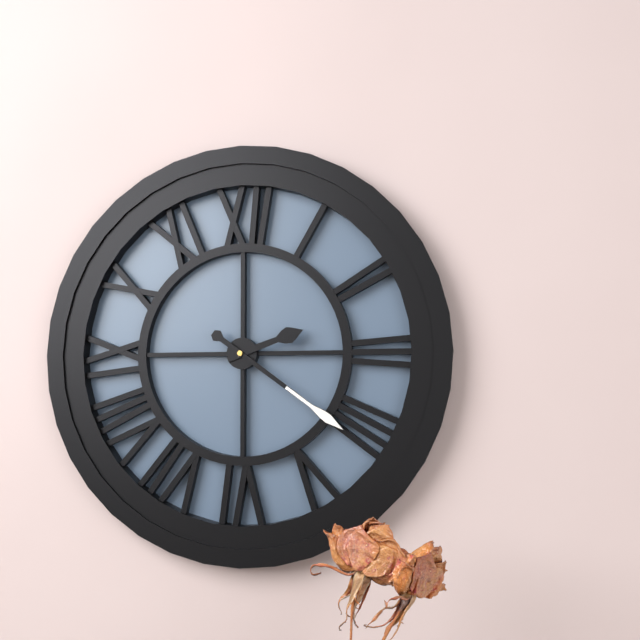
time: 2:21
